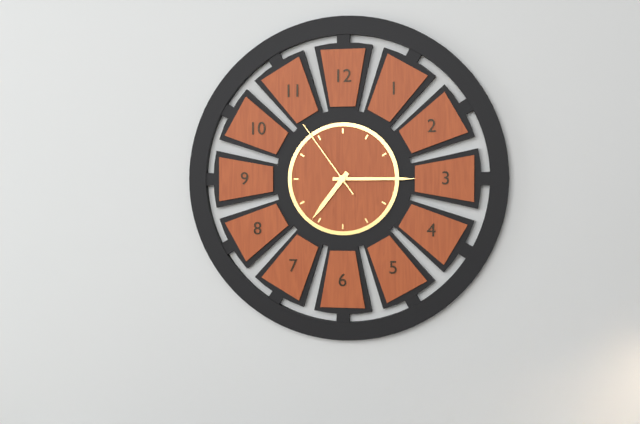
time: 7:15:54
